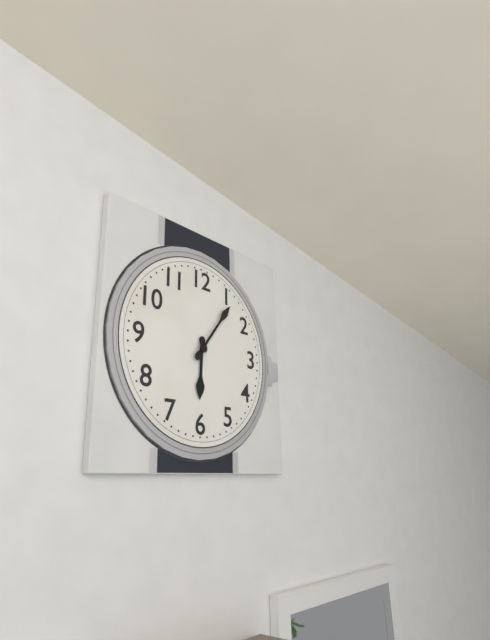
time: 6:06
